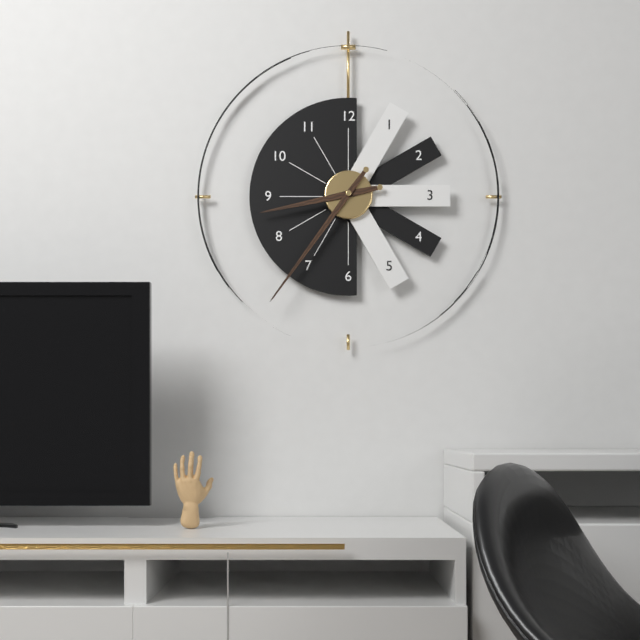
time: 8:36
